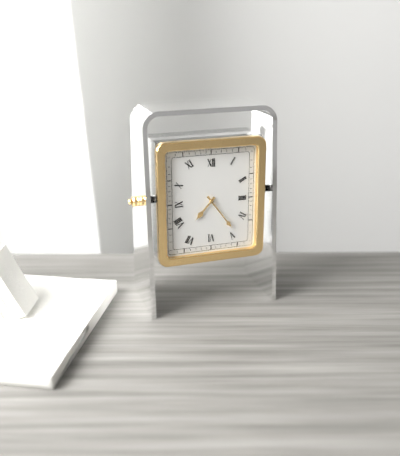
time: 7:24
